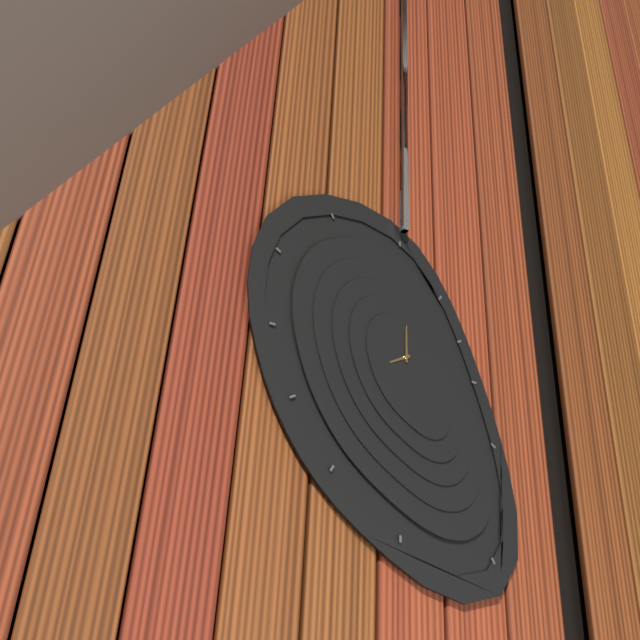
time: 8:00
